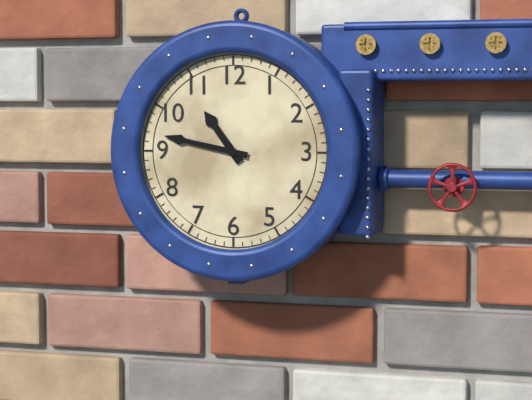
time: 10:47
